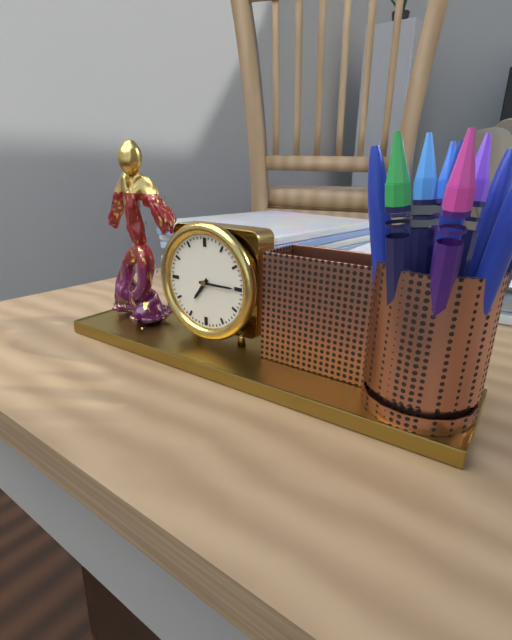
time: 7:15
